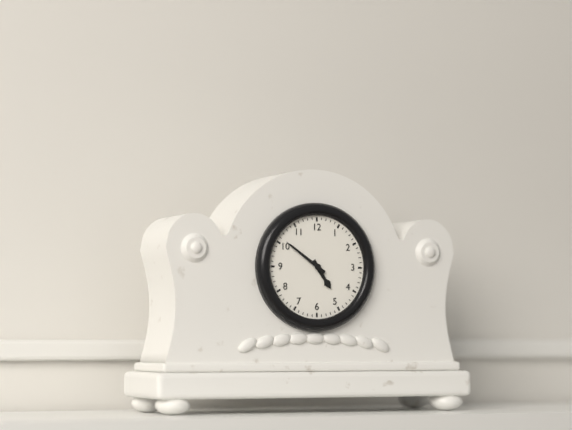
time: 4:51
